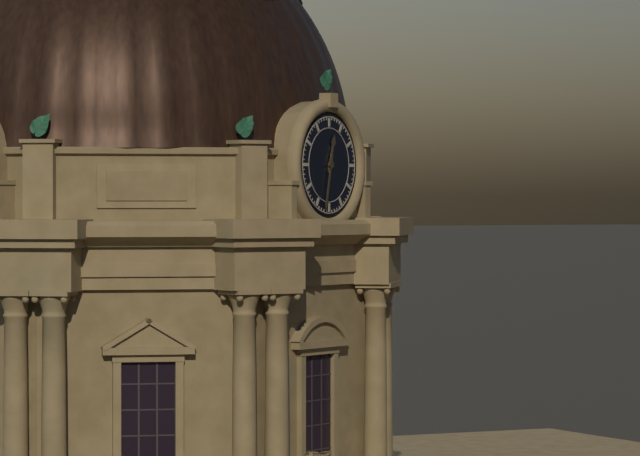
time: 12:32
